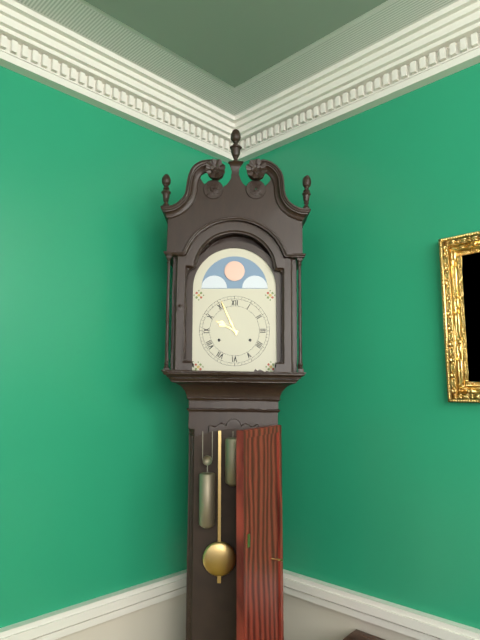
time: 9:56
